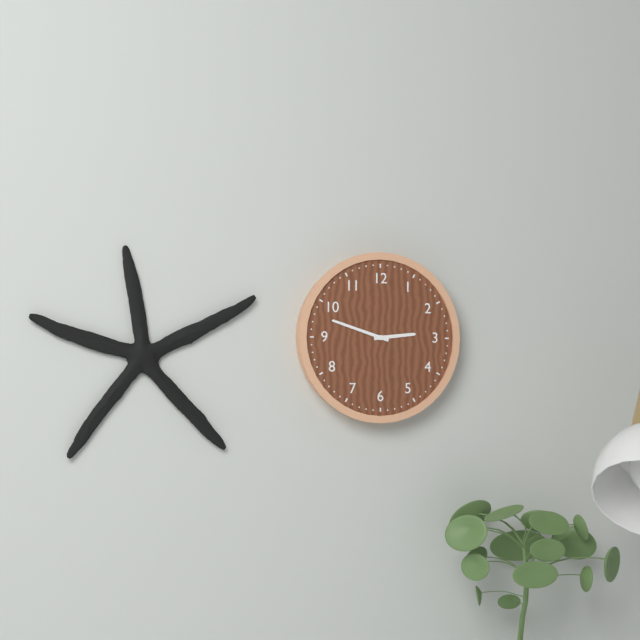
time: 2:48
